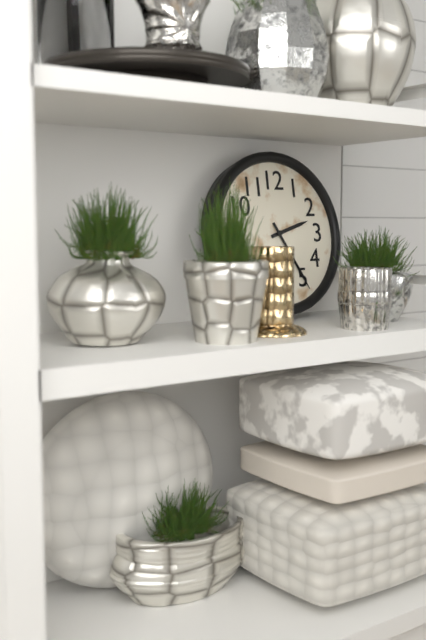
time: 2:25
